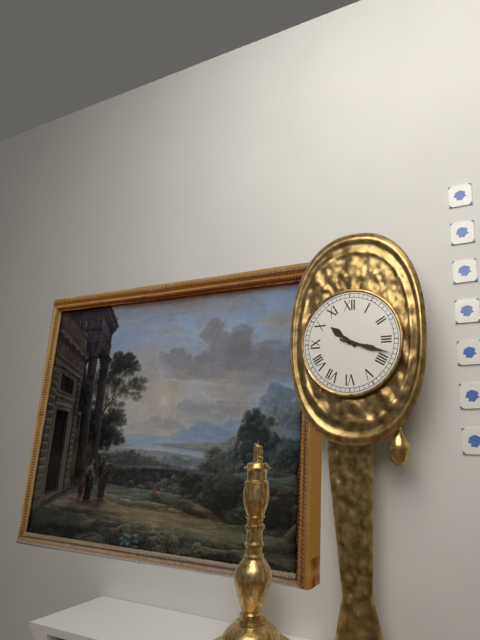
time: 10:18
